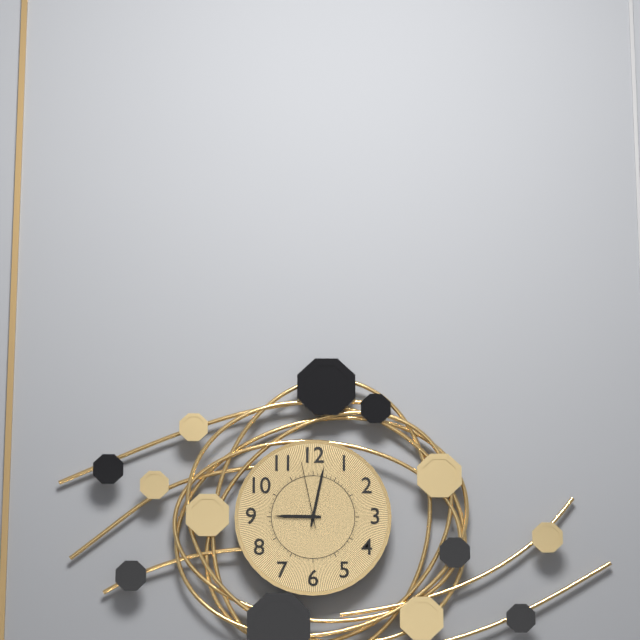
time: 9:02:58
